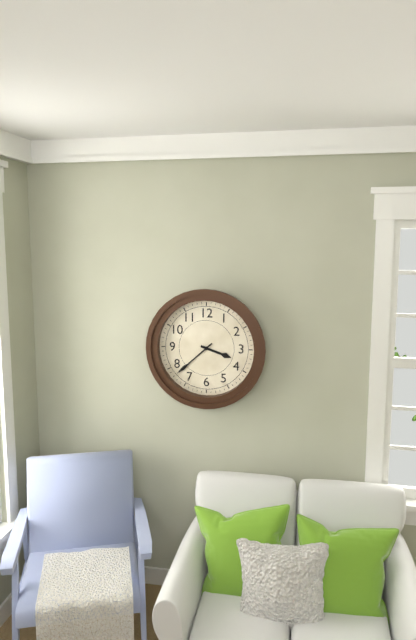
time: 3:38
